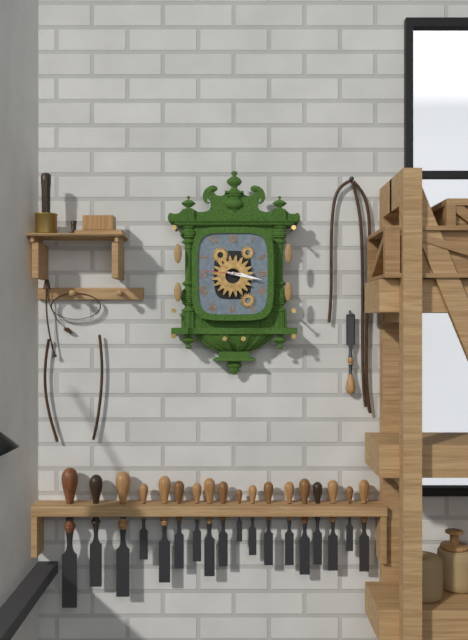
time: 3:17
